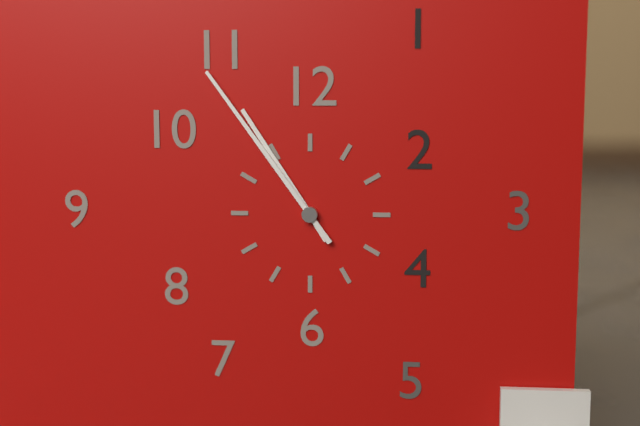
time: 10:54
